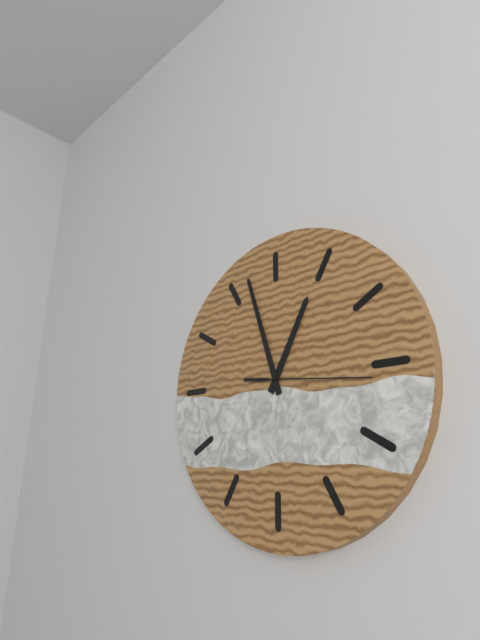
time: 12:57:16
